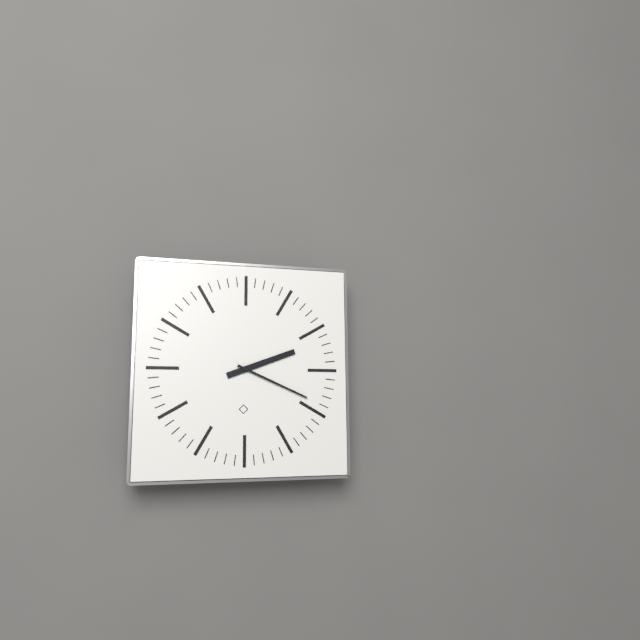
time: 2:19
